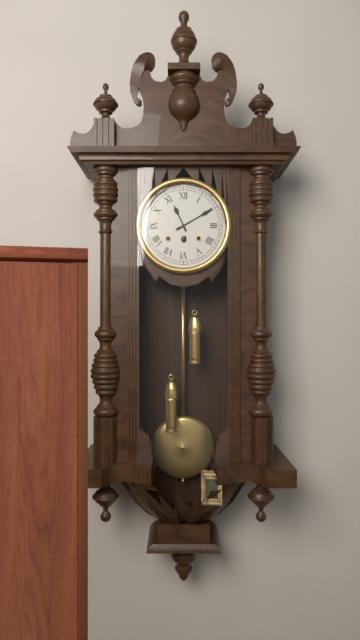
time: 11:10
